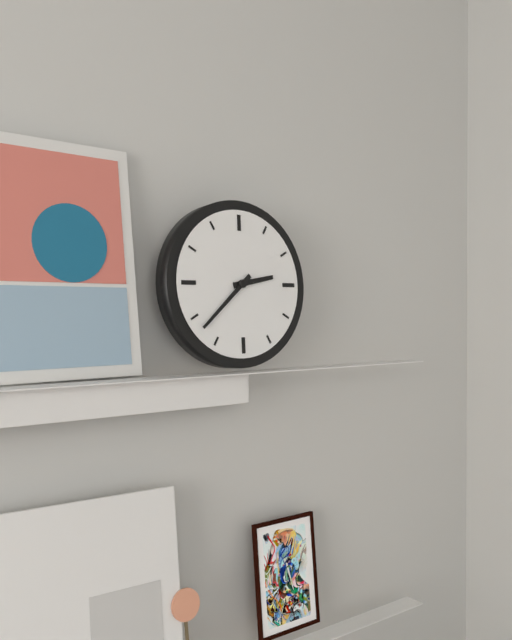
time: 2:38
